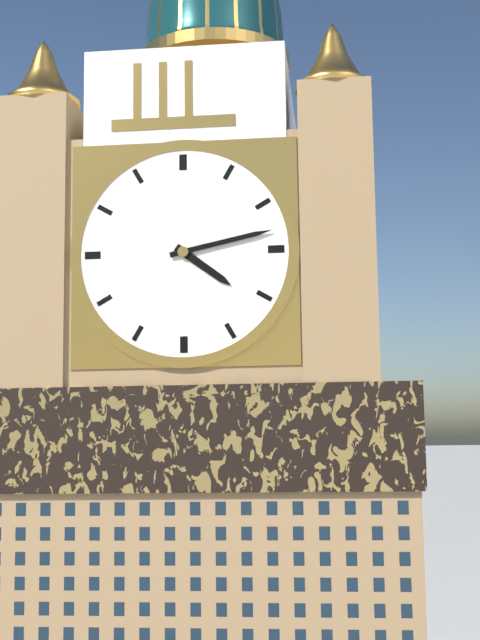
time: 4:13
